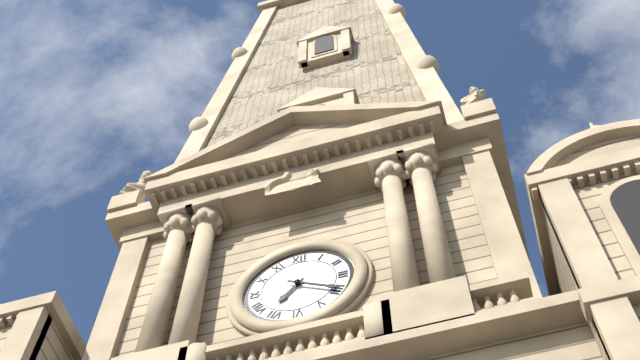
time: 7:20
